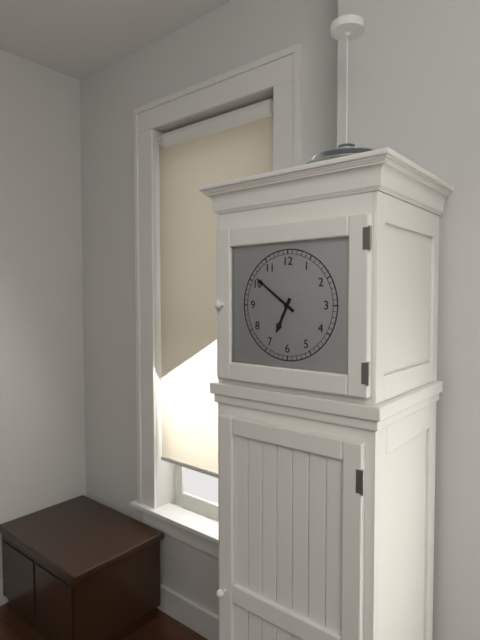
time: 6:51
